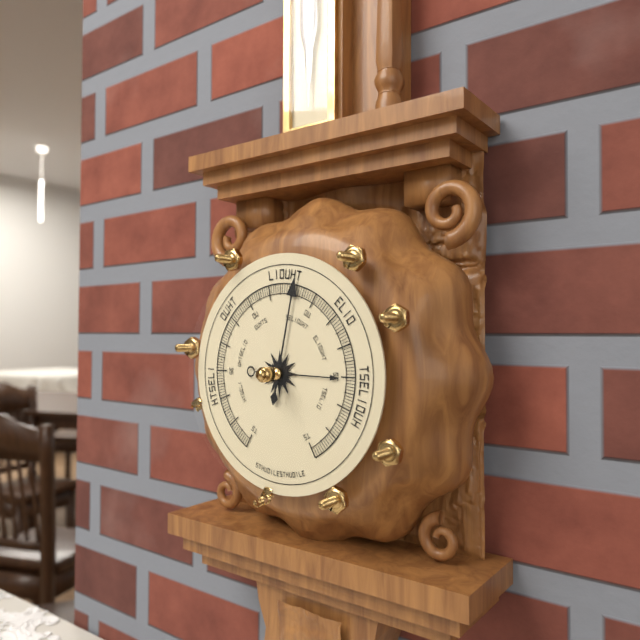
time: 3:02
